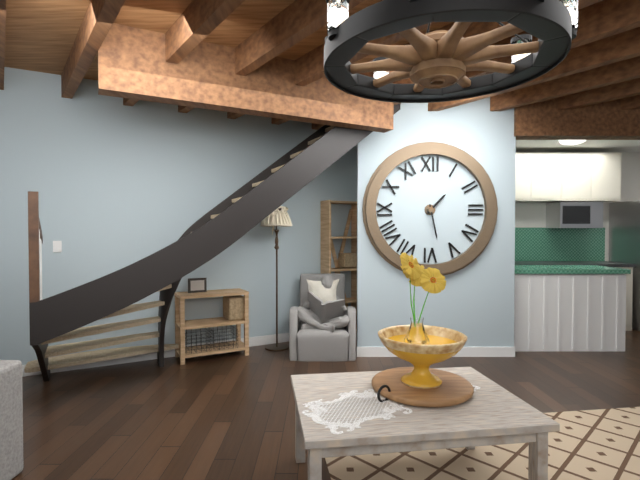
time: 1:28
